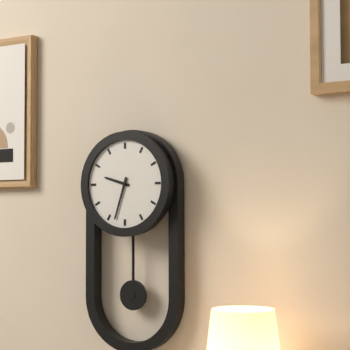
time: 9:33
